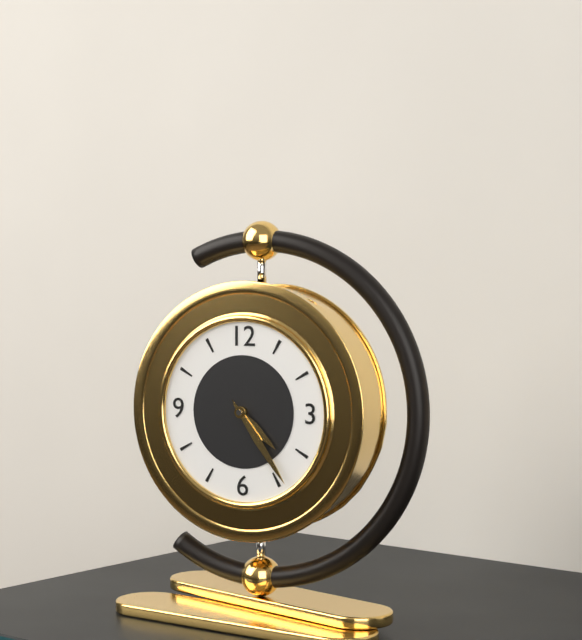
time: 4:24
